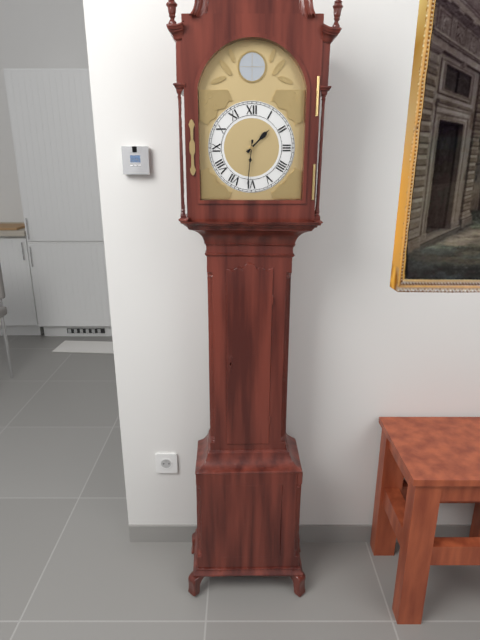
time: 1:31
